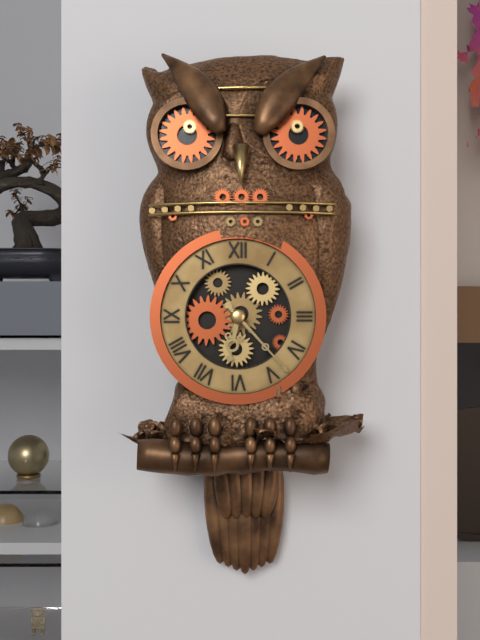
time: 6:23
